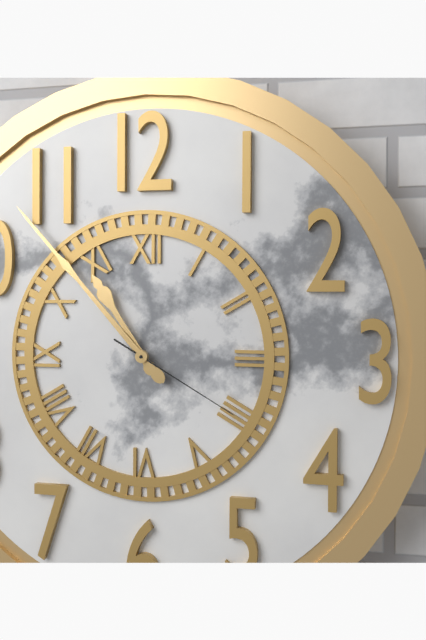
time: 10:53:20
